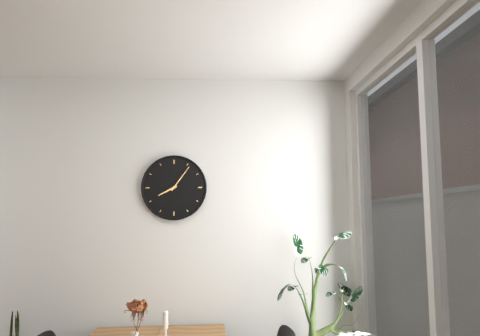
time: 8:06
